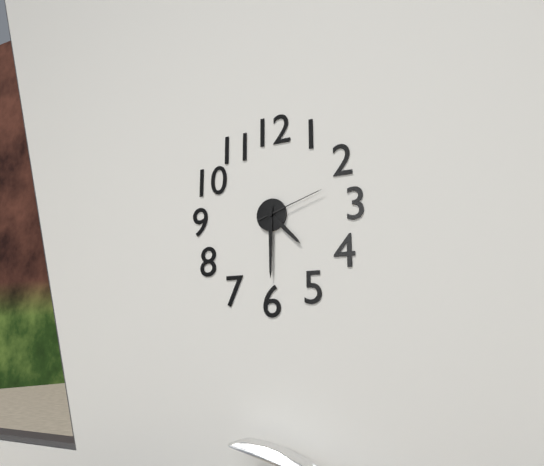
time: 4:30:12
